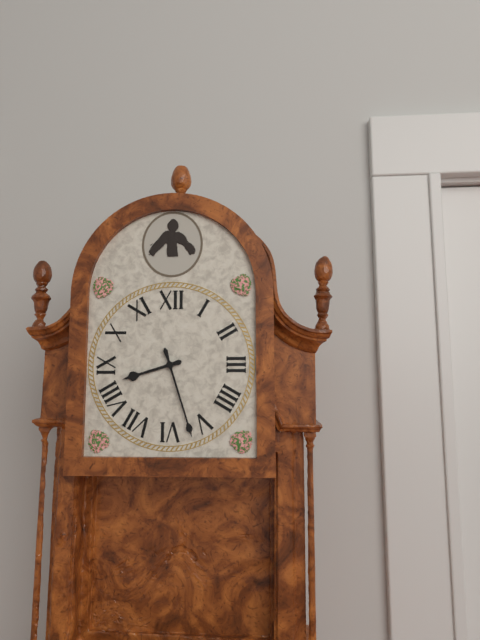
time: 8:27
